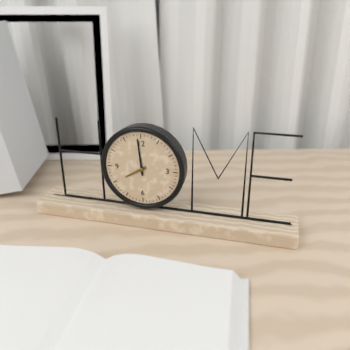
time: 7:59
